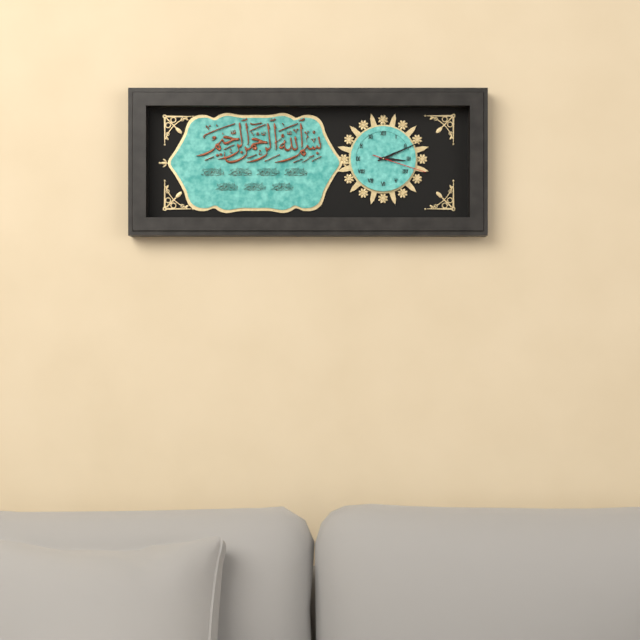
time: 3:11:18
